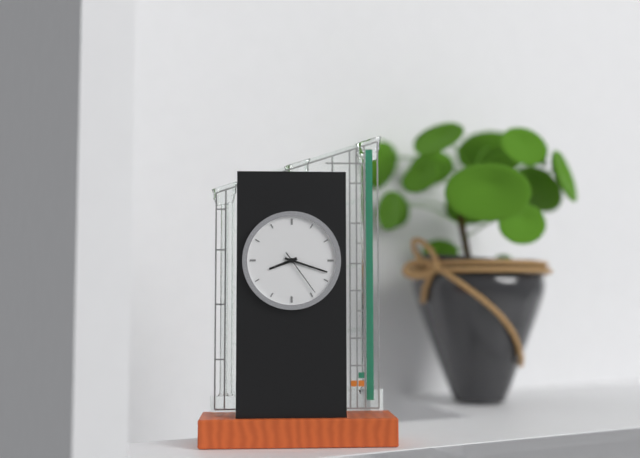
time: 8:18
